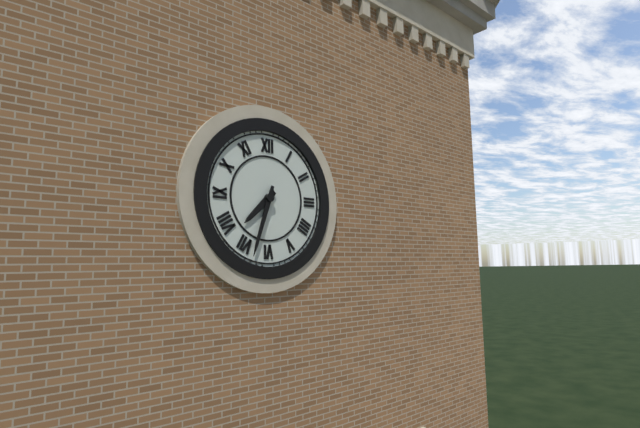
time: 7:33
